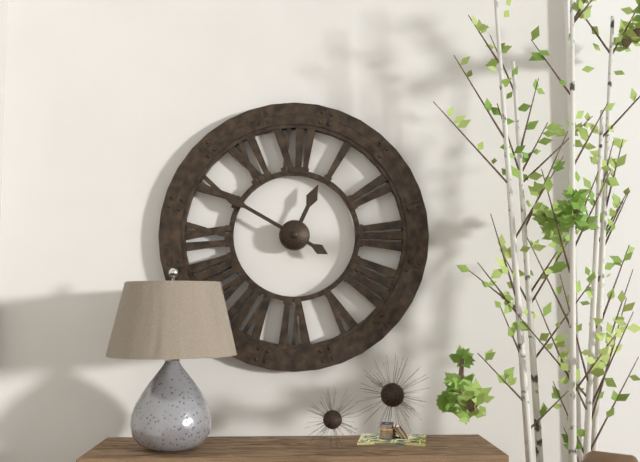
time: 12:50
